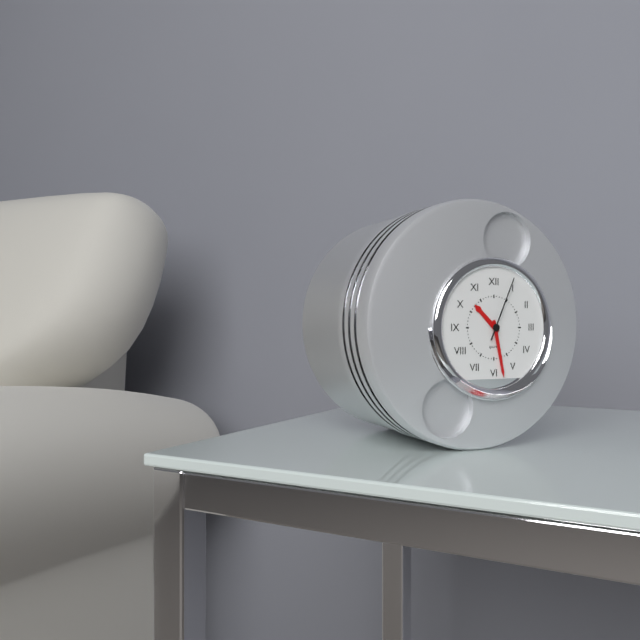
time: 10:28:04
